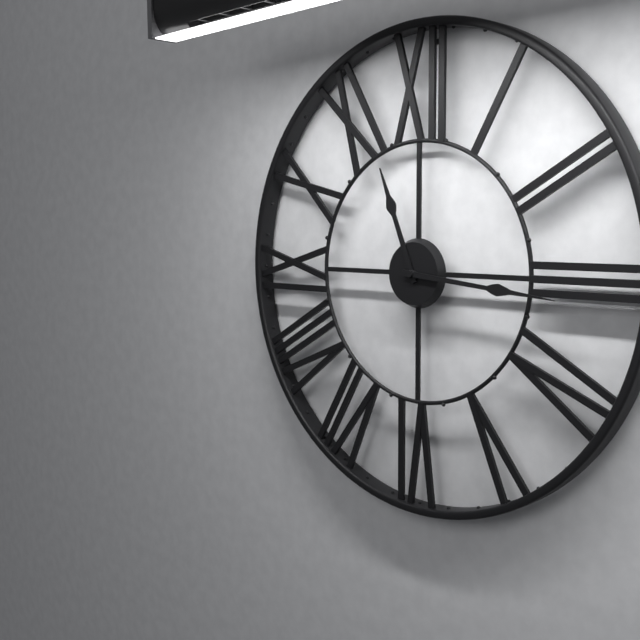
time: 11:16
